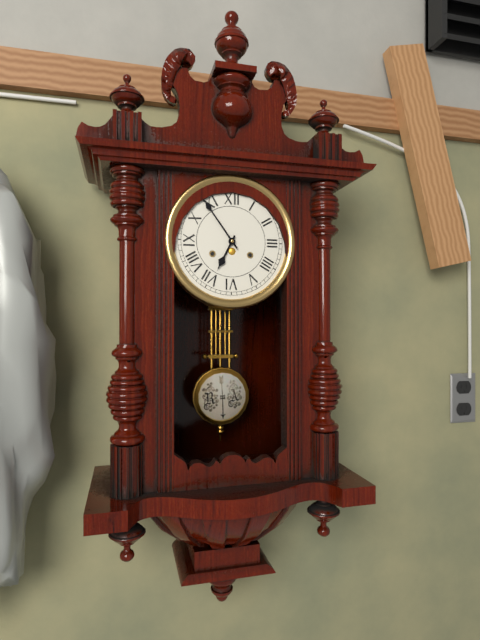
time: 6:54
